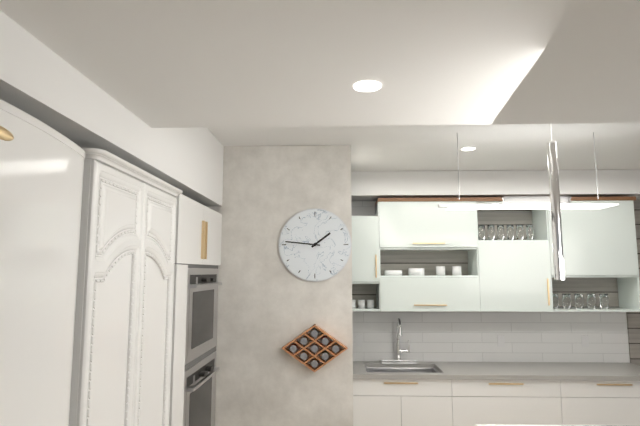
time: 1:46
